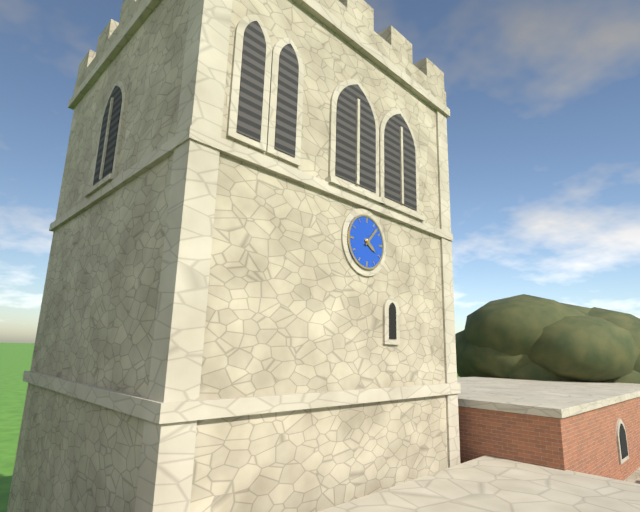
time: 4:07
